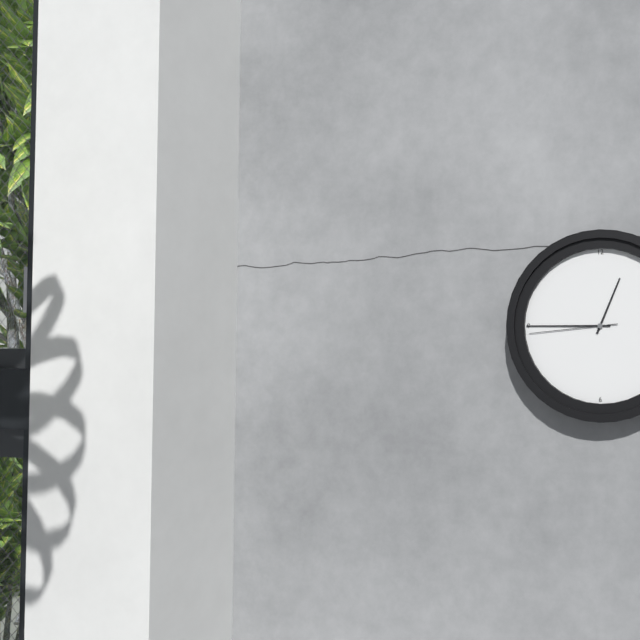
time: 12:45:44
